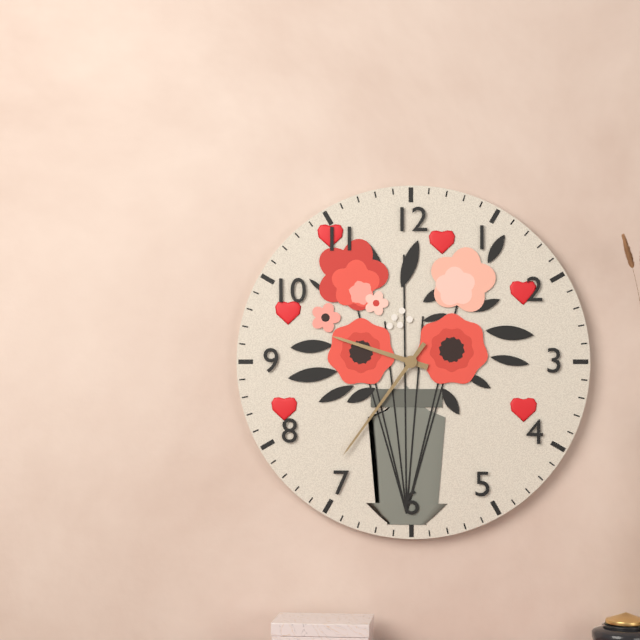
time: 9:36
